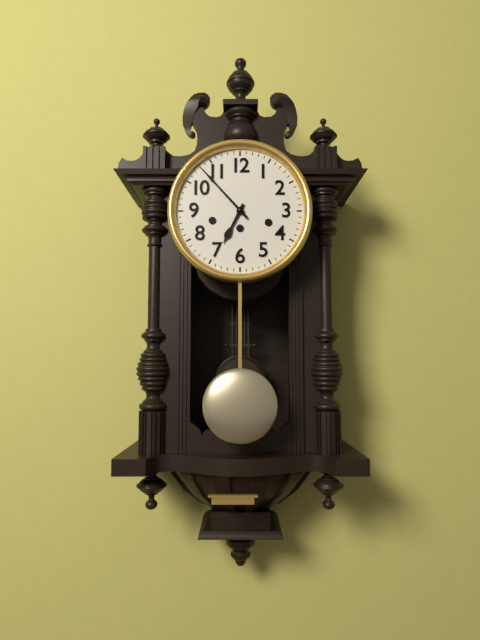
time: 6:53
